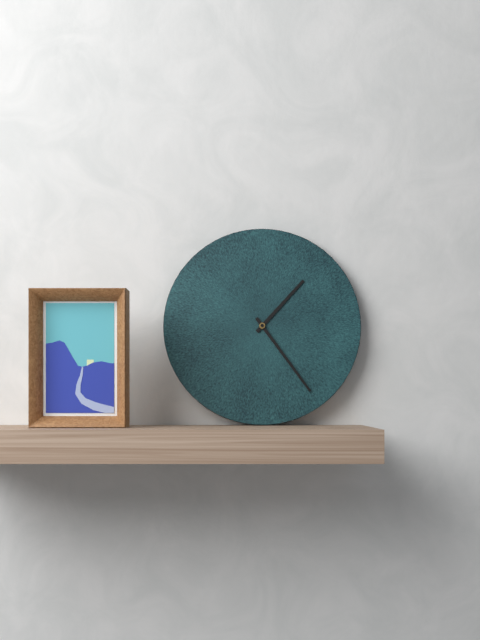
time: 1:24
